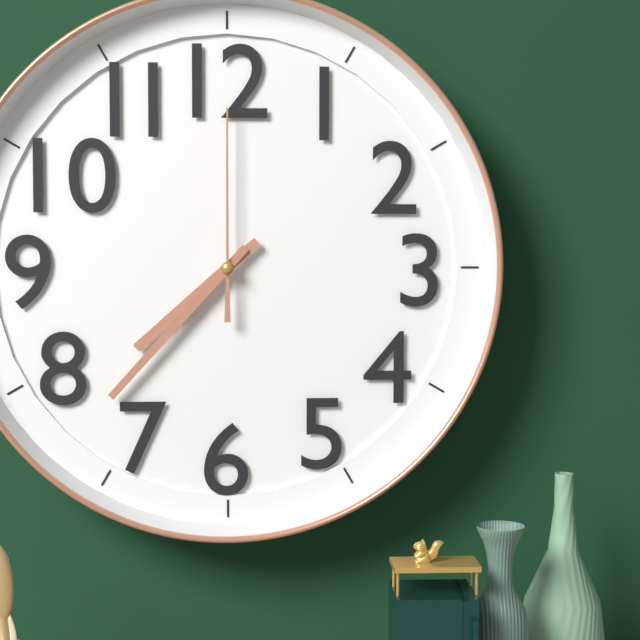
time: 7:37:00
